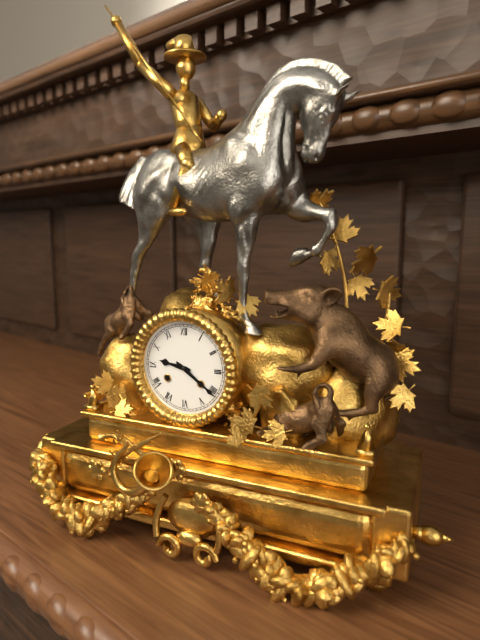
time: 9:21
